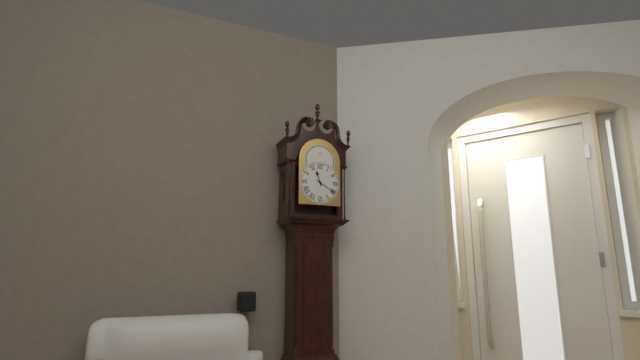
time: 11:20
